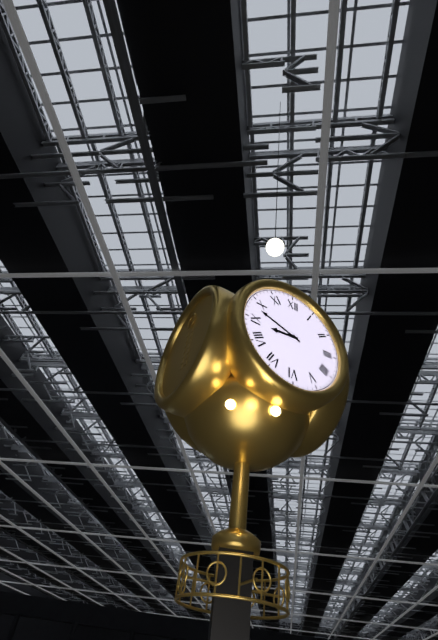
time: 8:48
